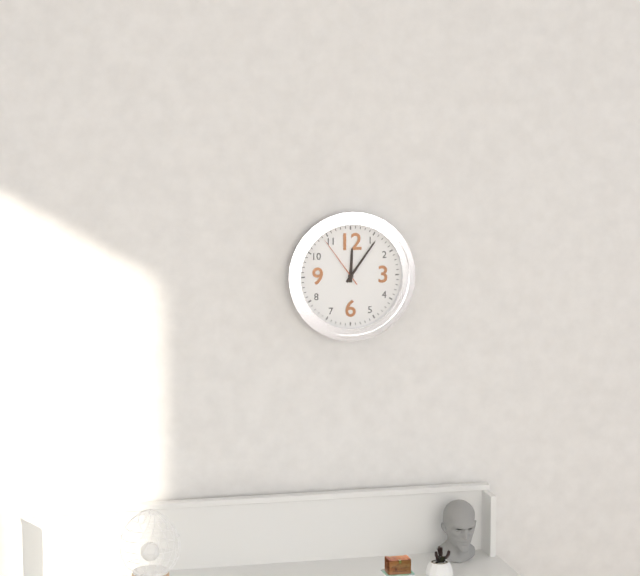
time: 12:06:54
